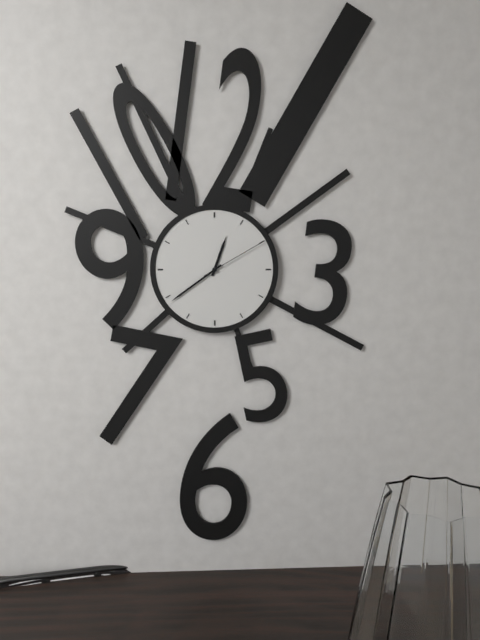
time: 12:39:10
